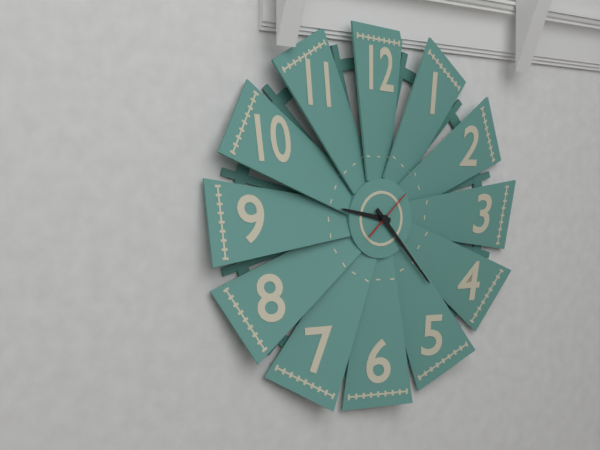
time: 9:23
